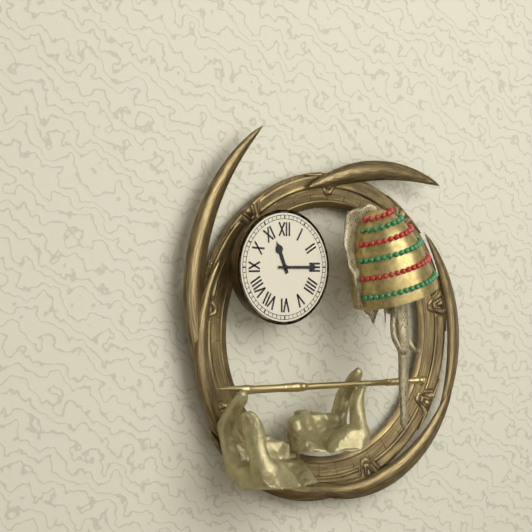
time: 11:15
